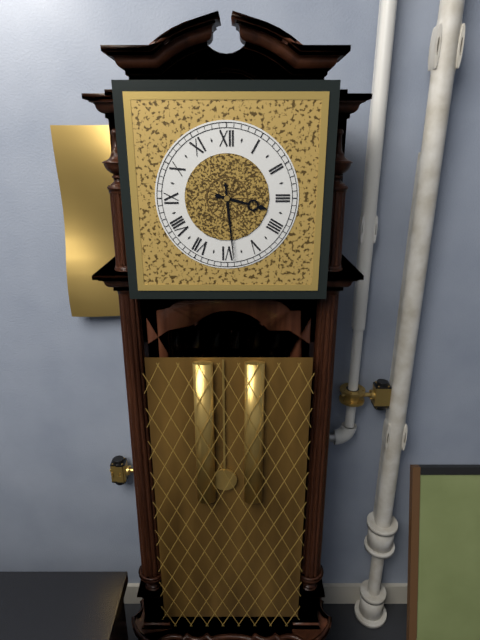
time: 3:29
